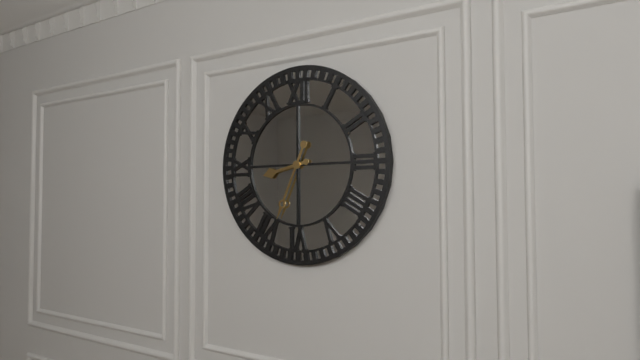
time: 8:34
